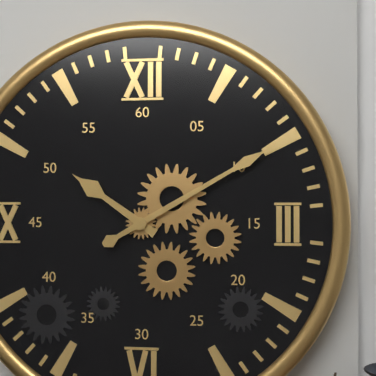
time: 10:10
